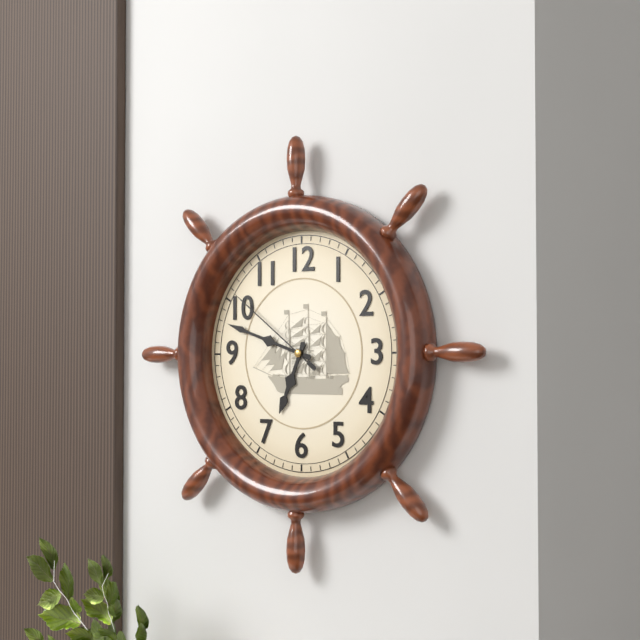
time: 6:48:51
